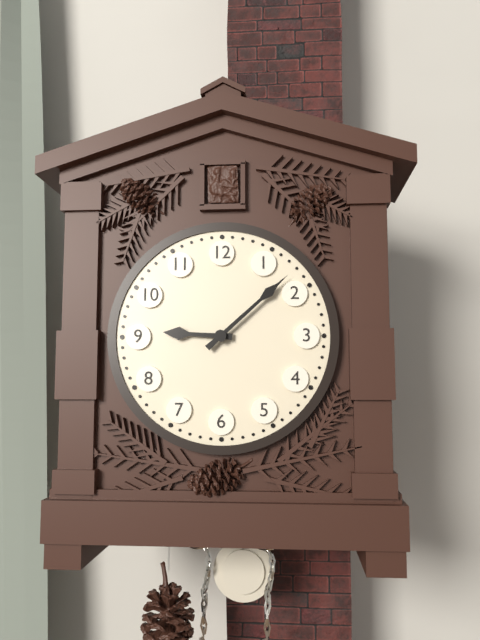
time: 9:08
